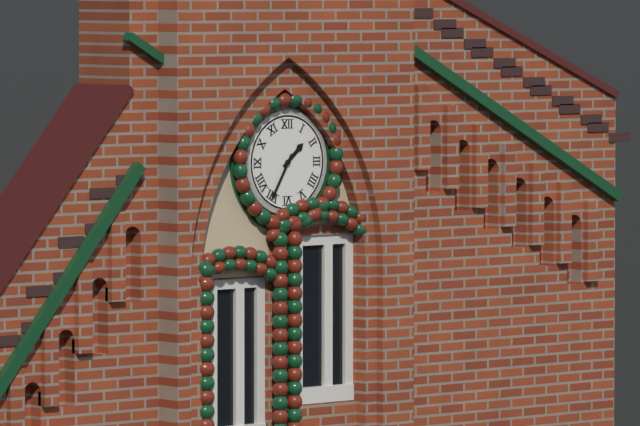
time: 1:35
